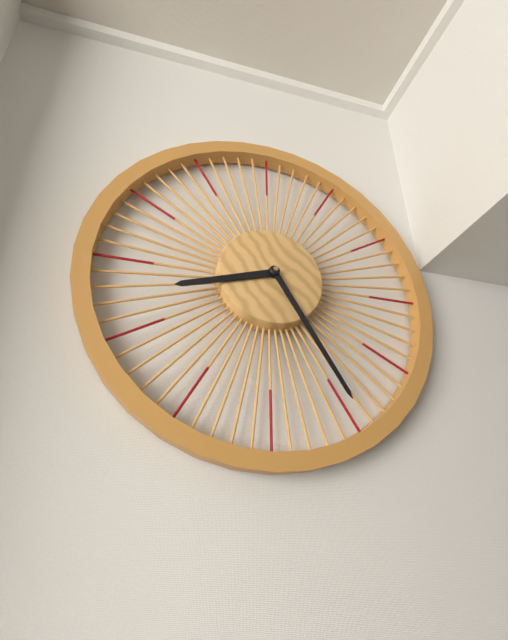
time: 8:25
